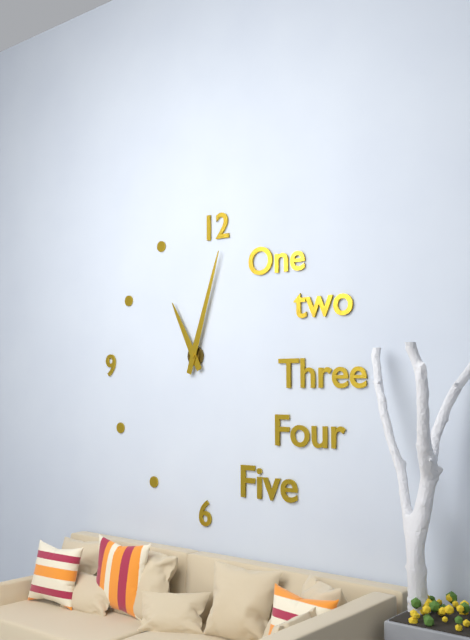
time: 11:03
